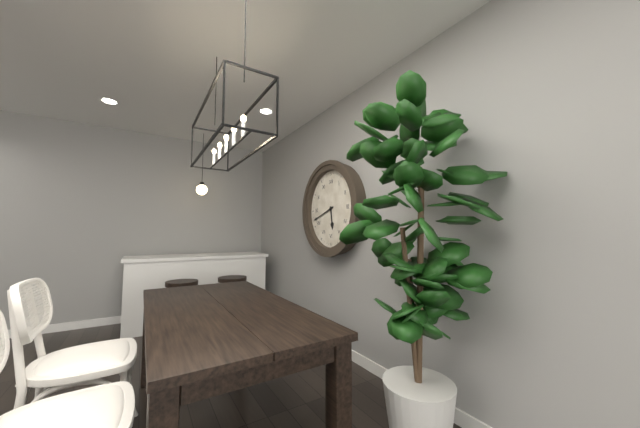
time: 5:42
